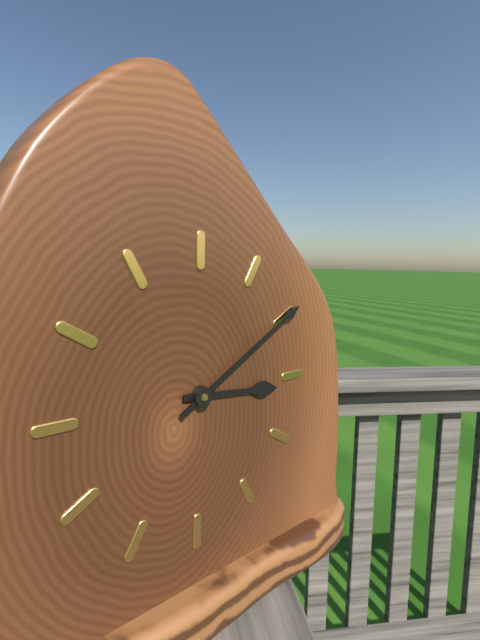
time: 3:10
